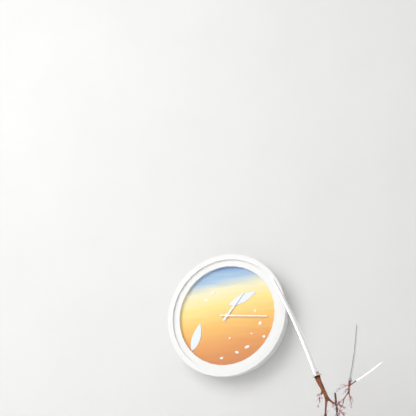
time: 1:16
